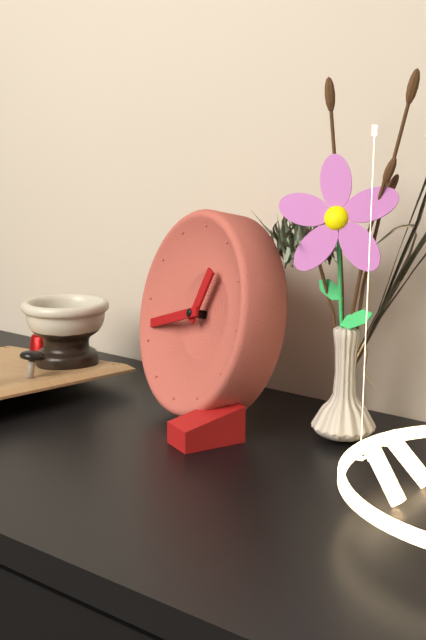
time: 12:42
